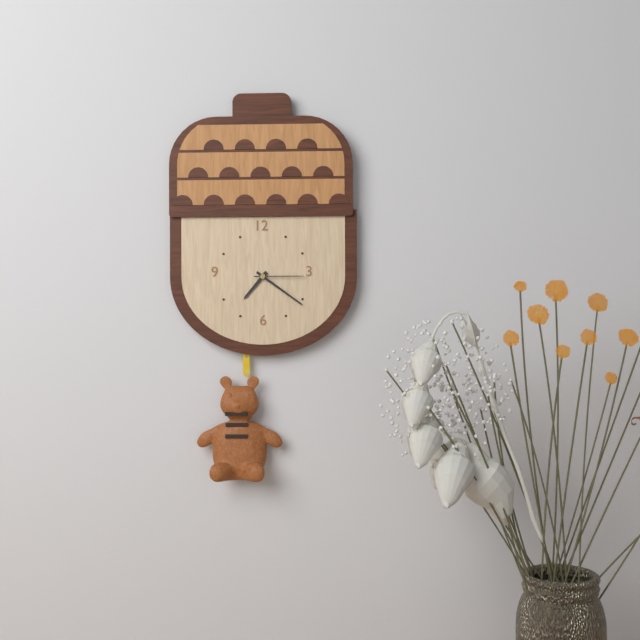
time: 7:21:15
